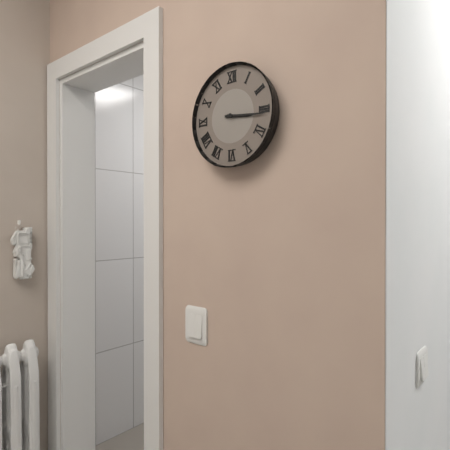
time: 3:16
